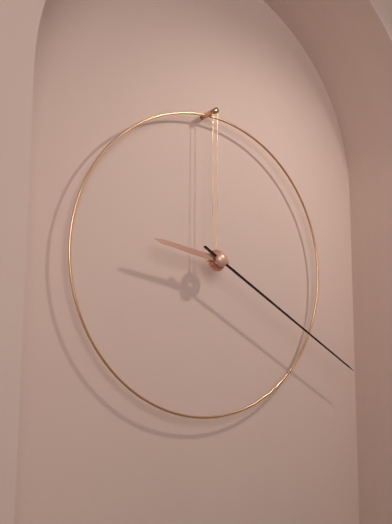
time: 9:20
